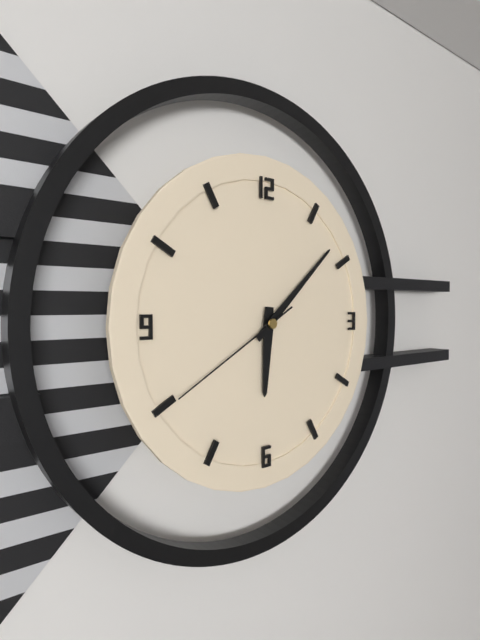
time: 6:08:40
